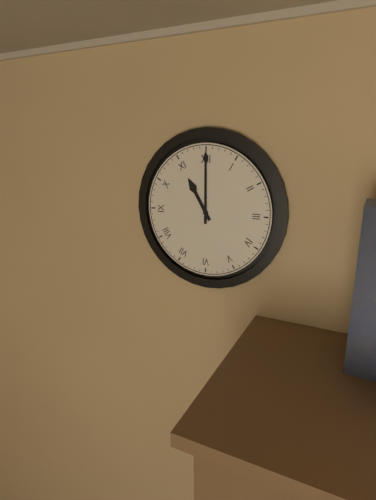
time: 11:00
